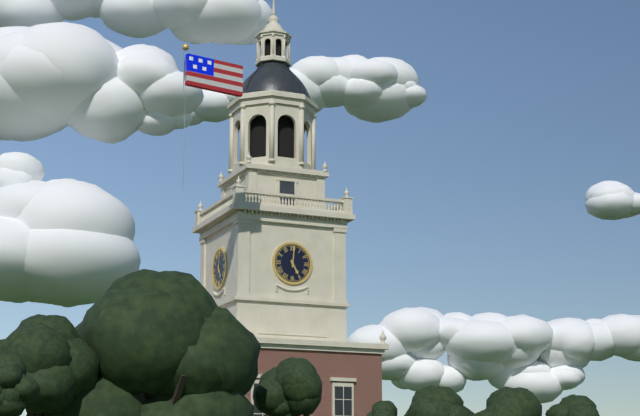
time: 5:01
